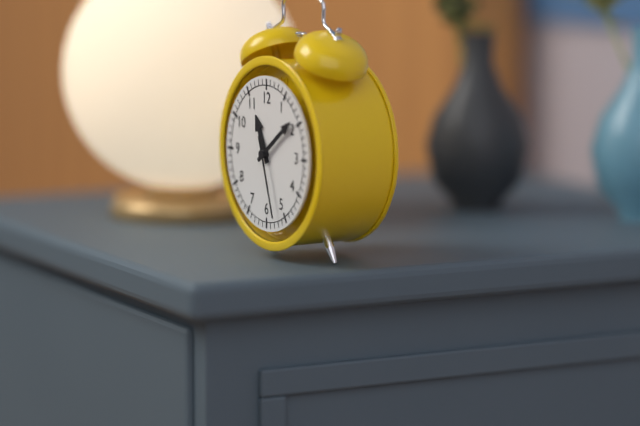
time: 11:09:27
